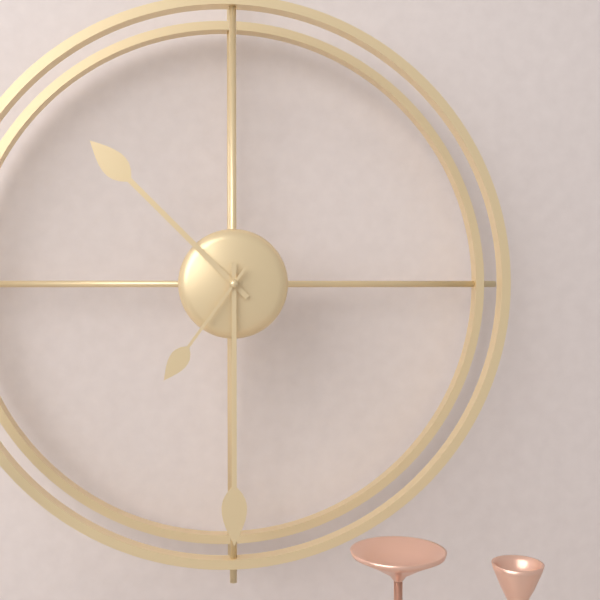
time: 10:30:36
